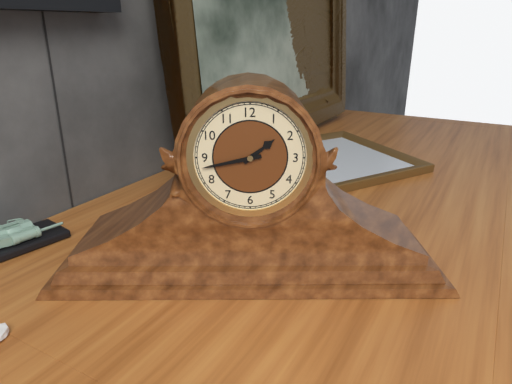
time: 1:43
